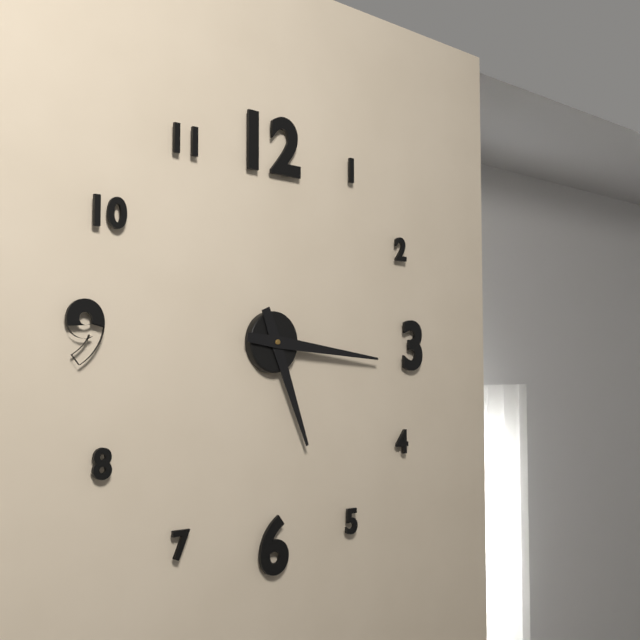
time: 5:16
